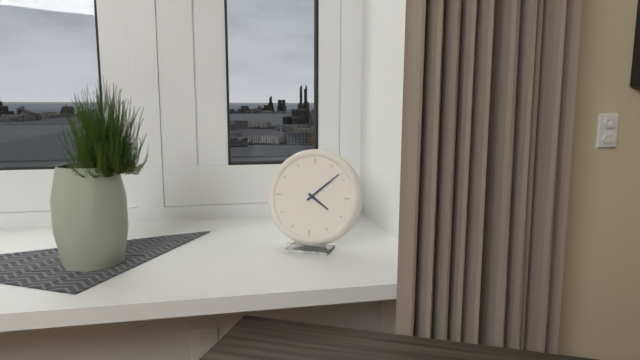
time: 4:08
